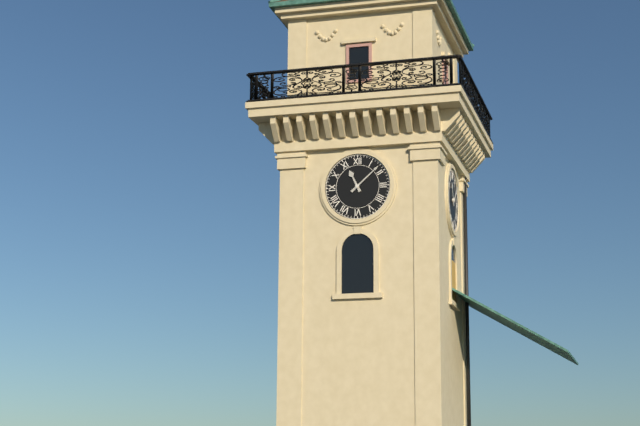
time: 11:08
